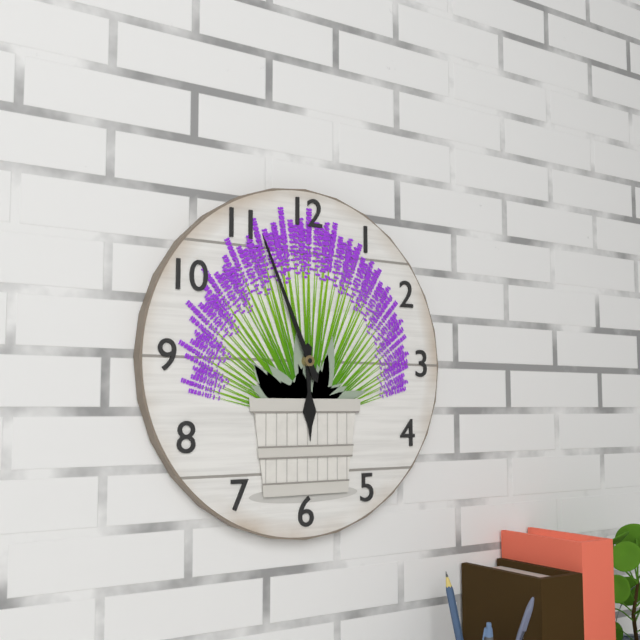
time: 5:56
